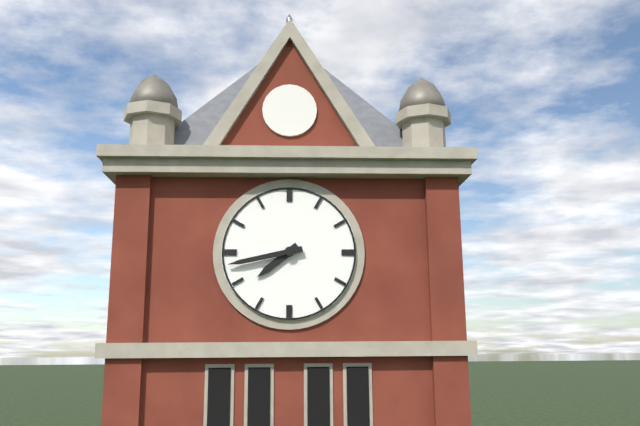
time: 7:43
